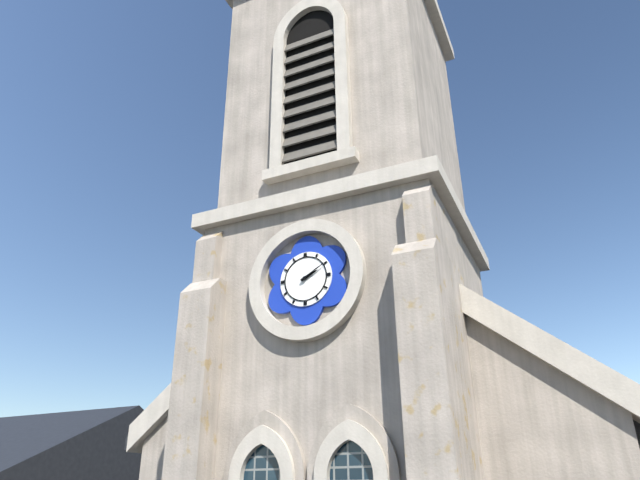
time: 2:10
